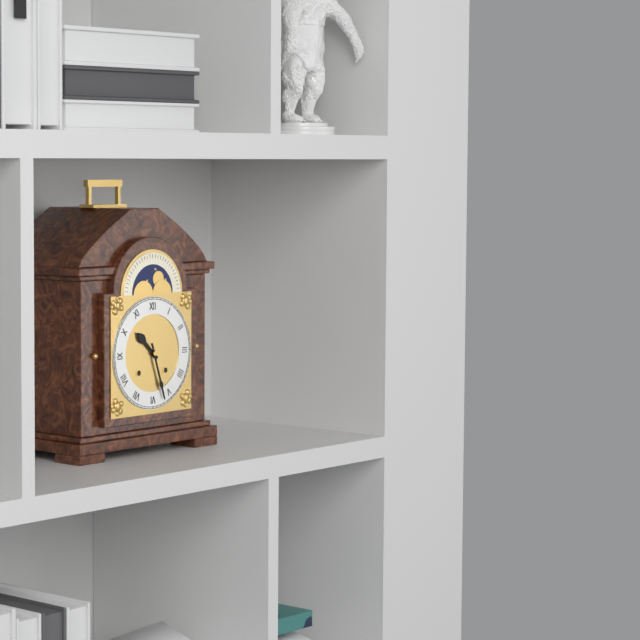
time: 10:27
